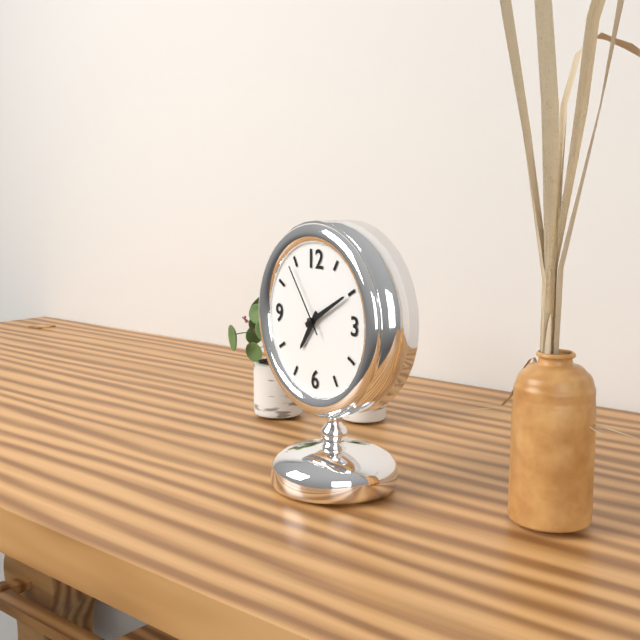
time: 7:10:54
